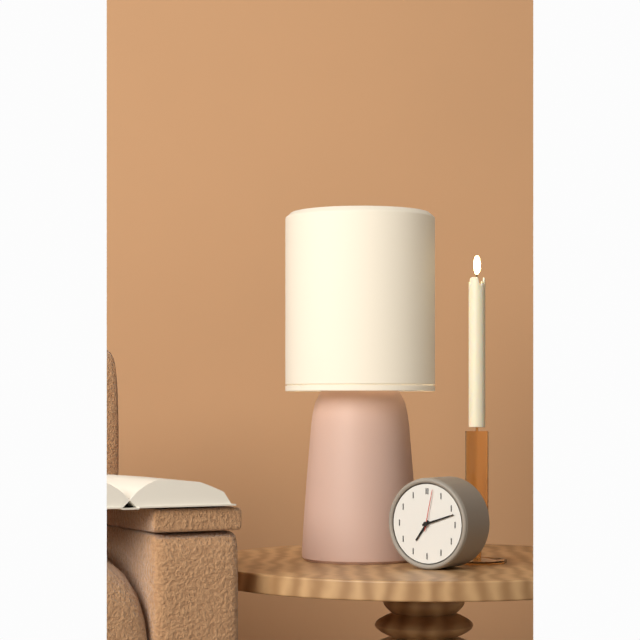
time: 7:12
